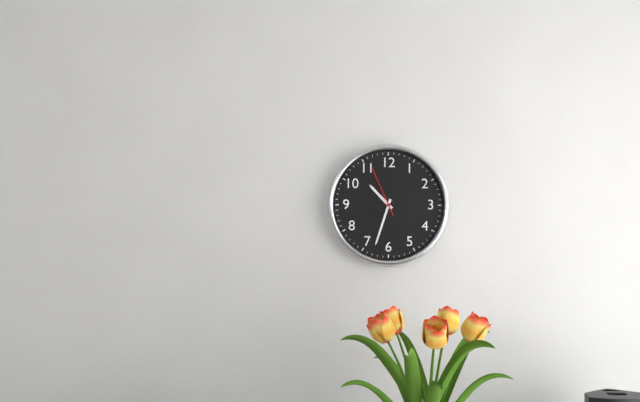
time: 10:33:56
